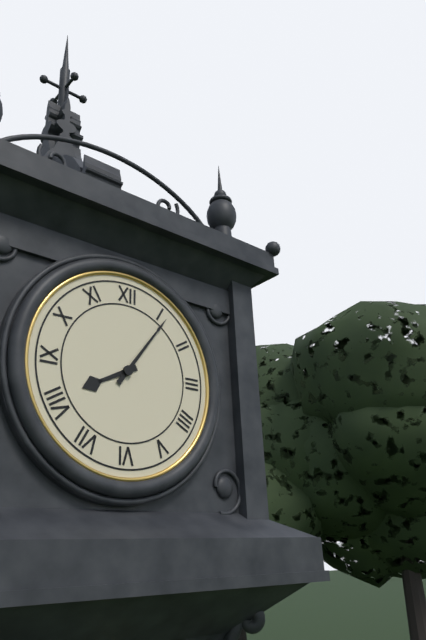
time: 8:06
